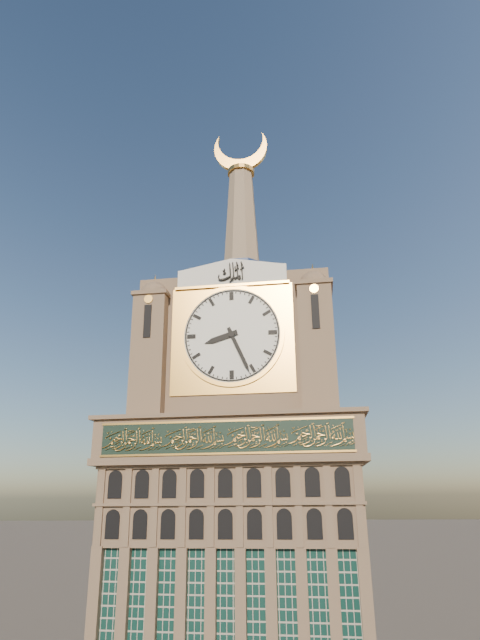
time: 8:26
